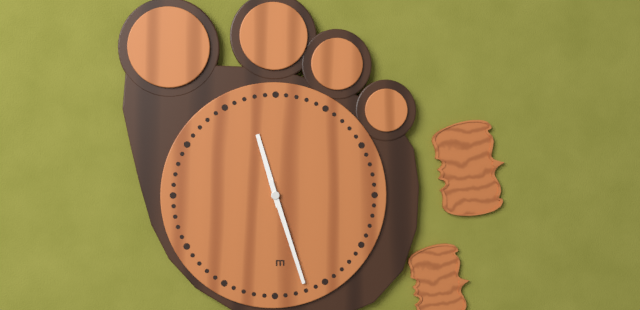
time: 11:27
